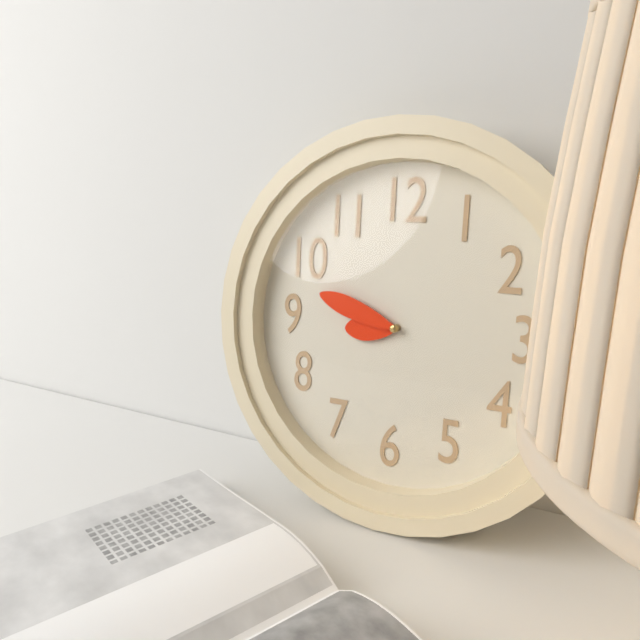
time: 8:48
